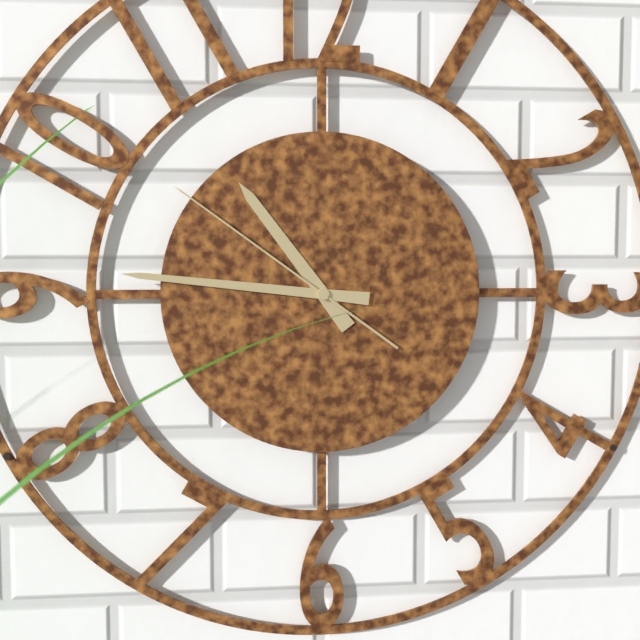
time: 10:46:51
